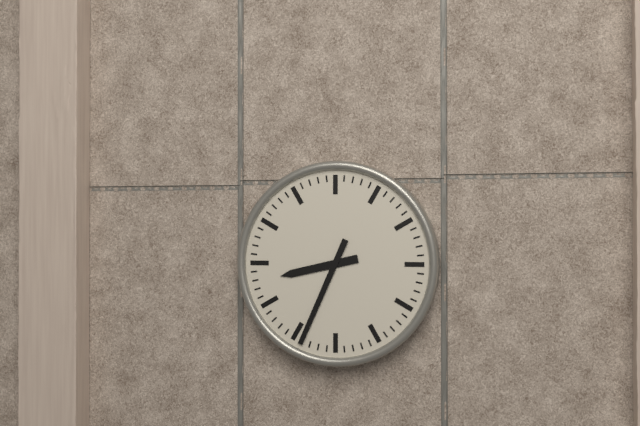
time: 8:34
